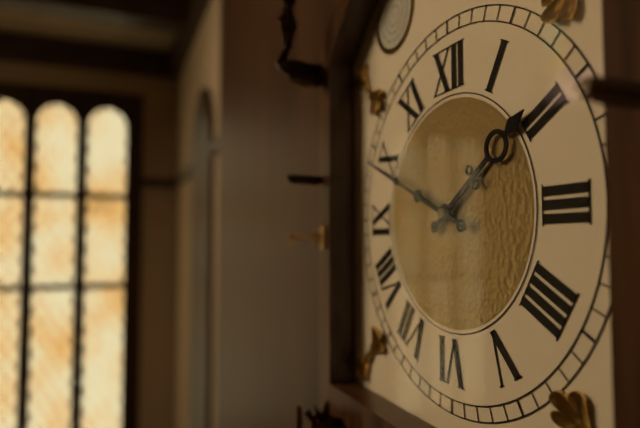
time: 1:49
